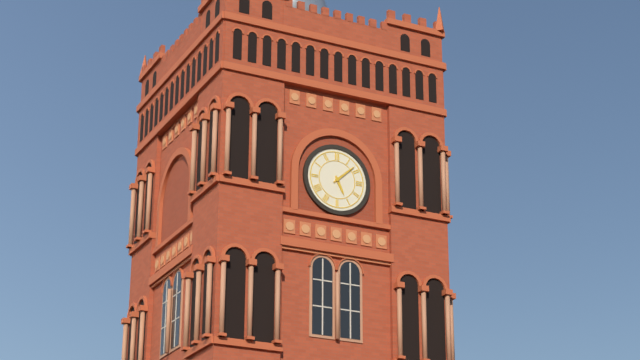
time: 5:08
